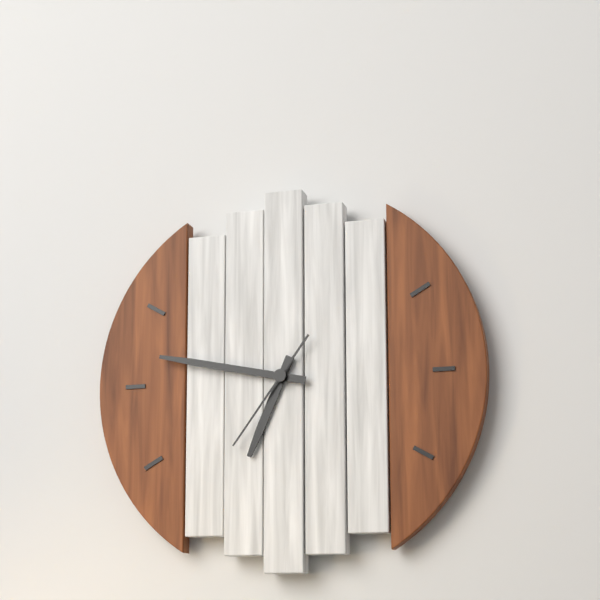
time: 6:47:36
